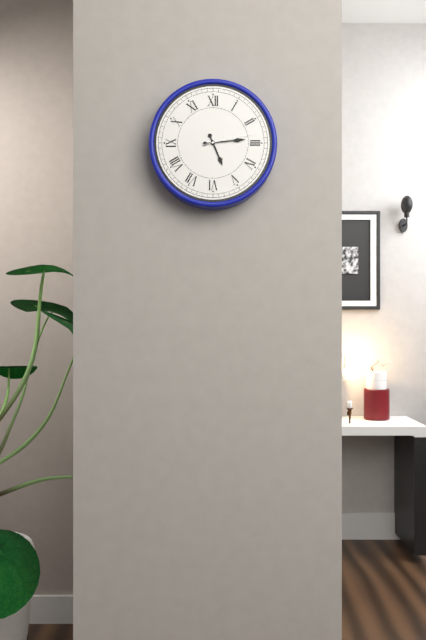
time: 5:14:13
